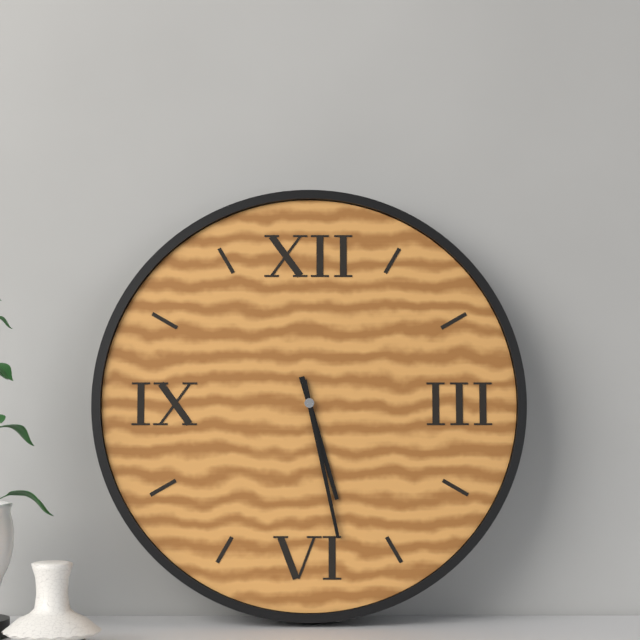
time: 5:28
